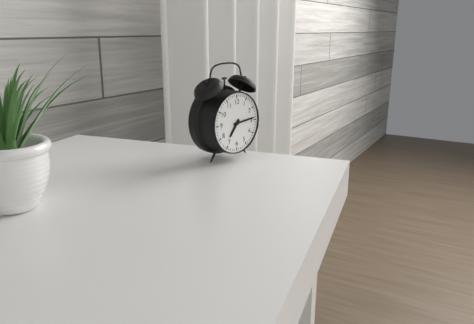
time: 7:14
